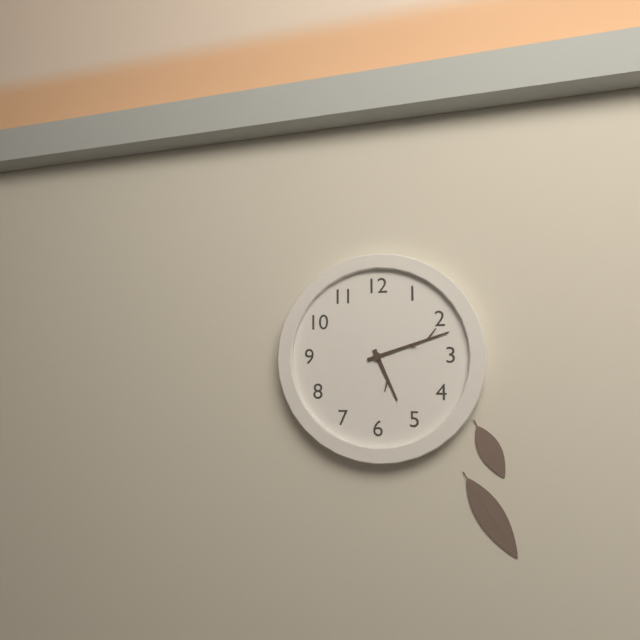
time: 5:12
